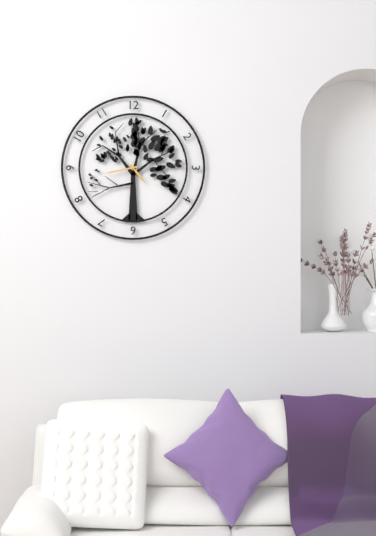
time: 4:43
